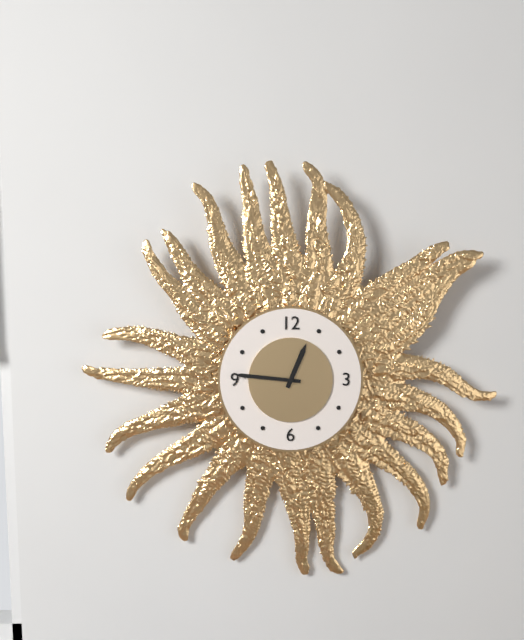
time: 12:46
